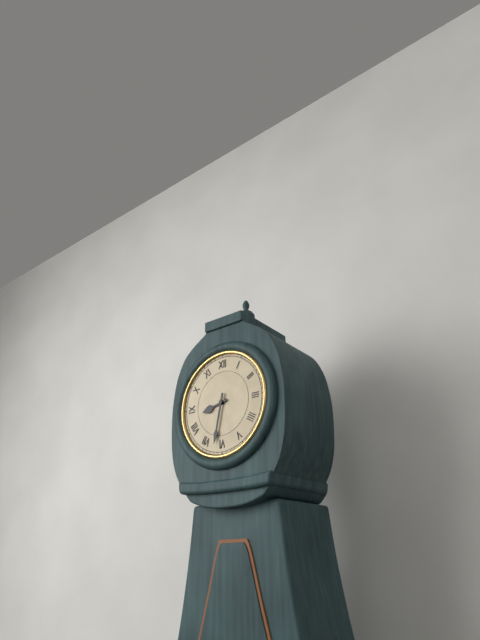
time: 8:32
